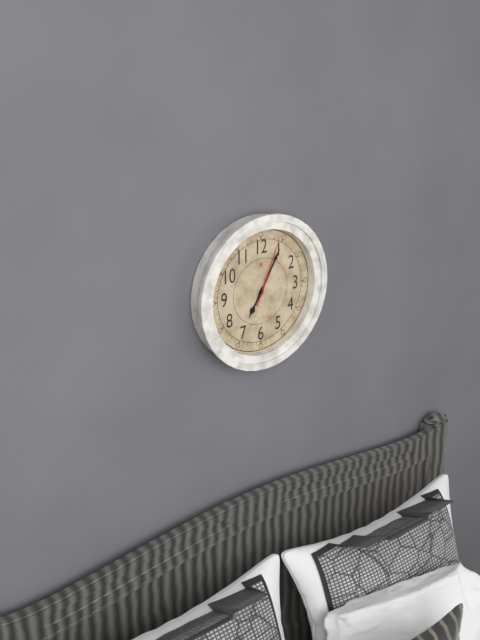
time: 7:05:04
